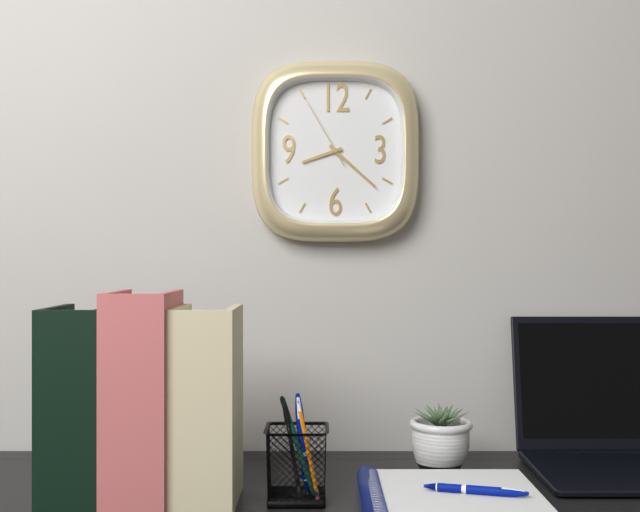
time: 8:22:55
